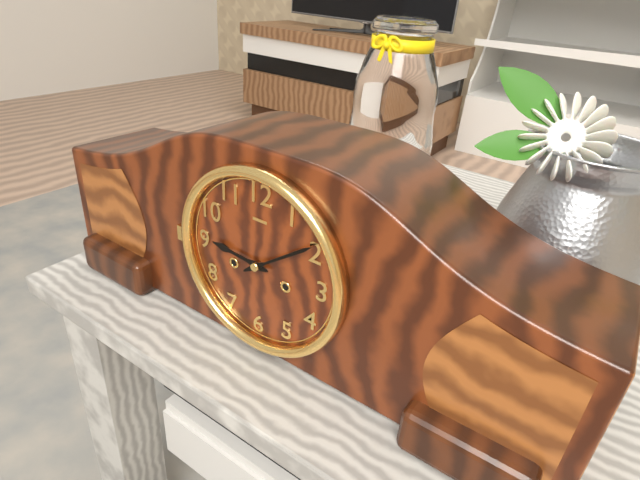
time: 9:09
